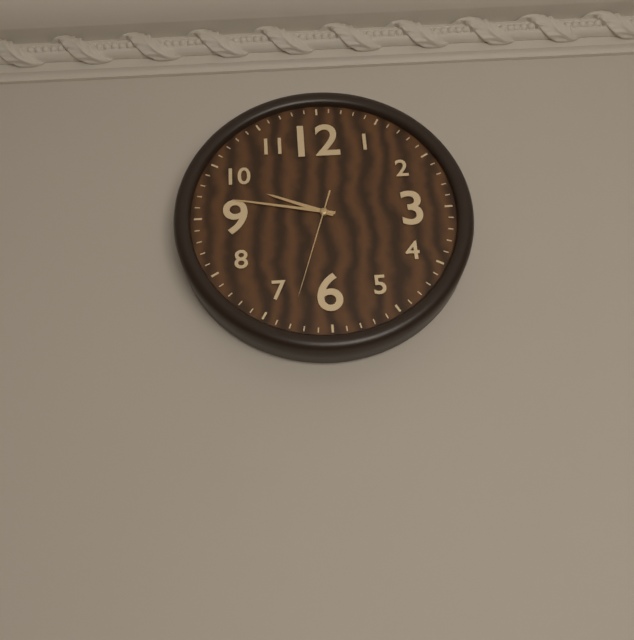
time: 9:47:33
